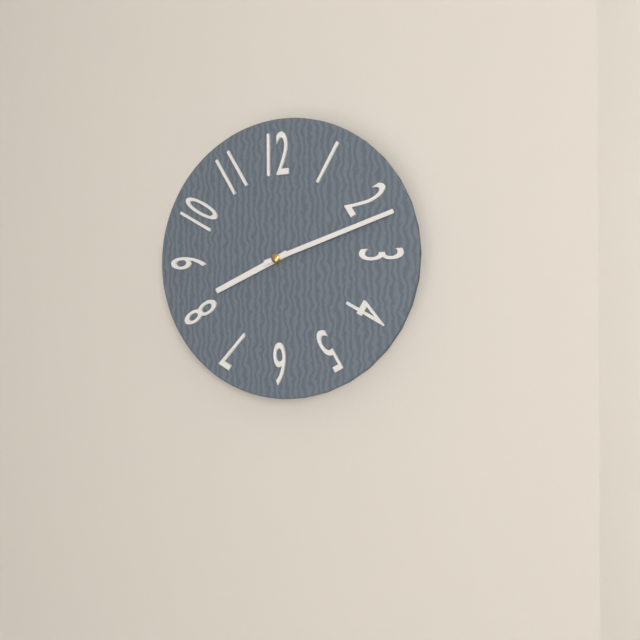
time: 8:12
